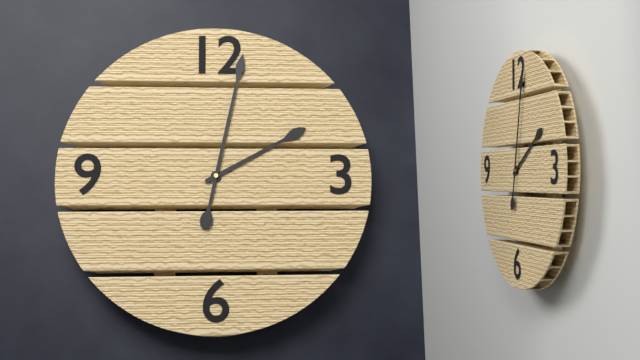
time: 2:02
